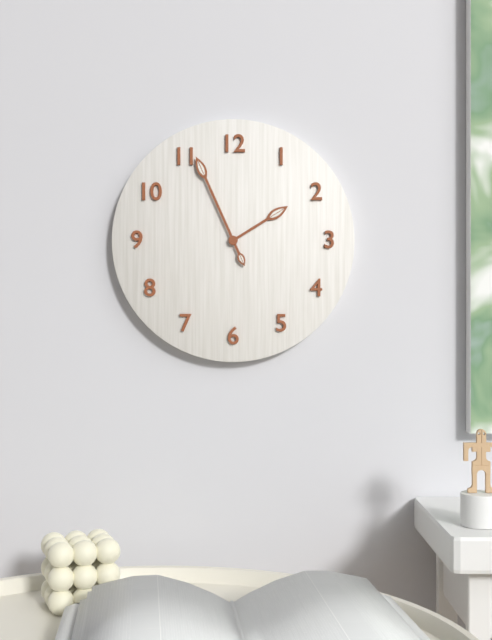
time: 1:56
